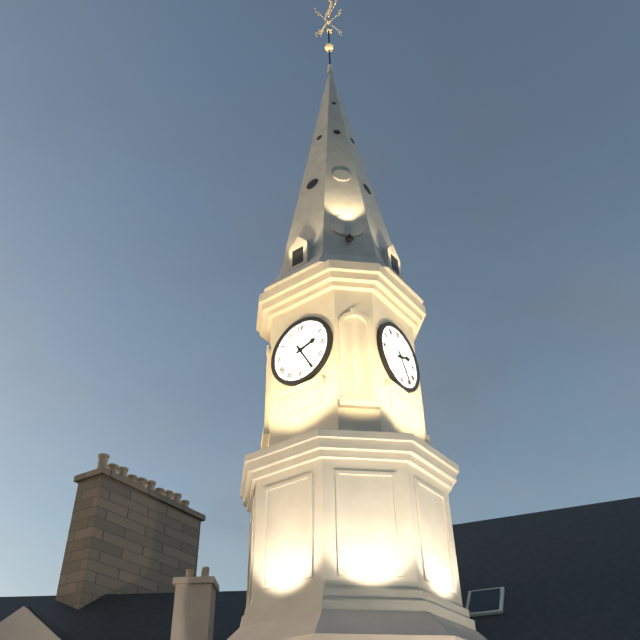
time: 2:25
